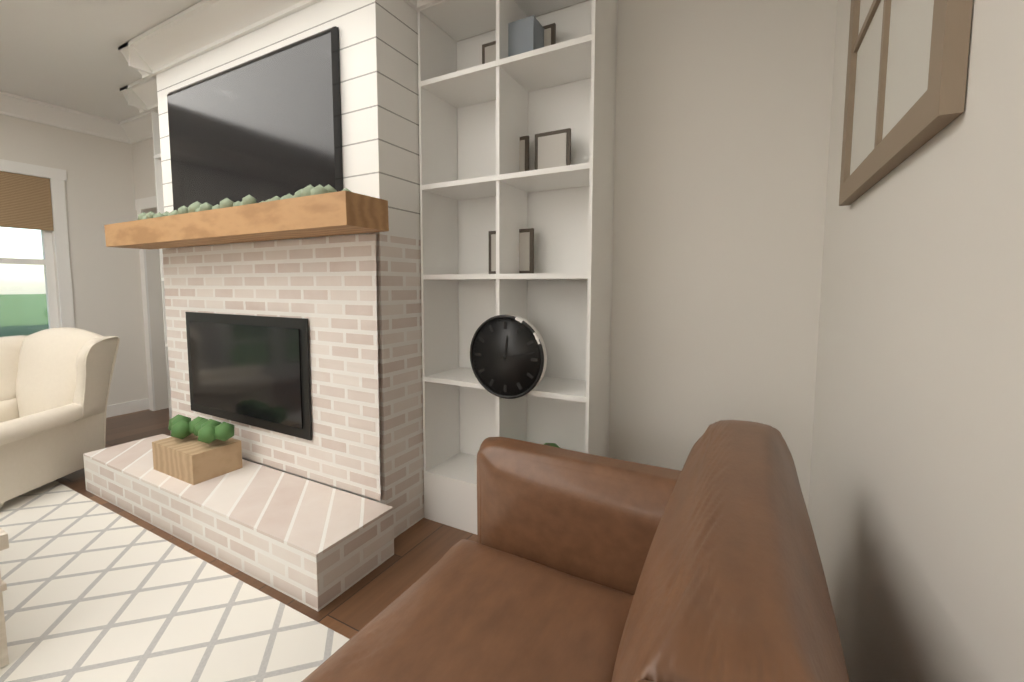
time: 12:13
